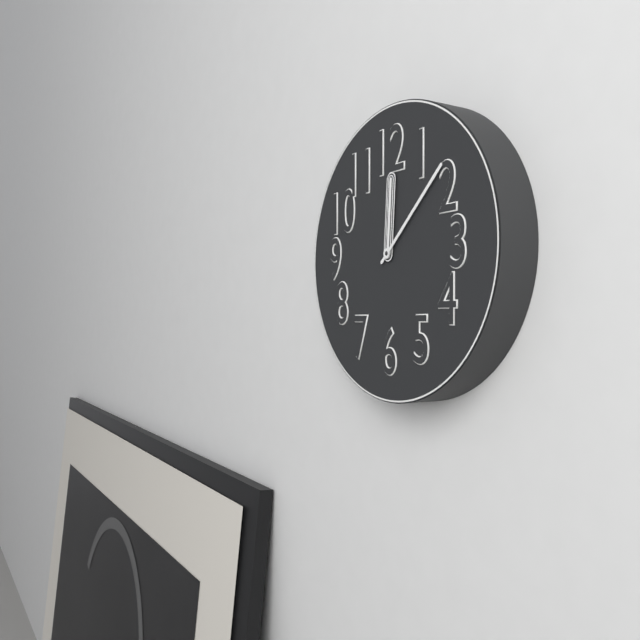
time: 12:08
